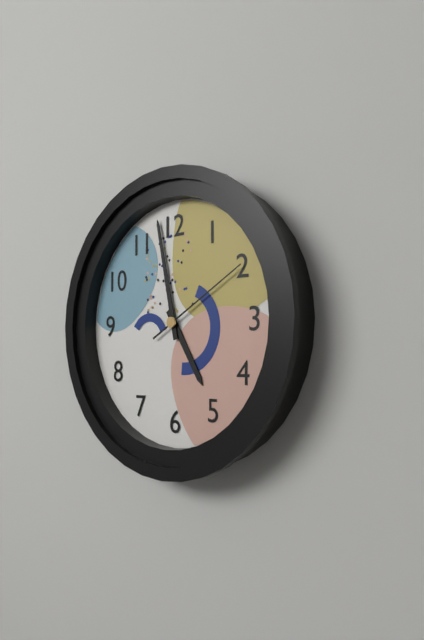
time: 4:58:10
